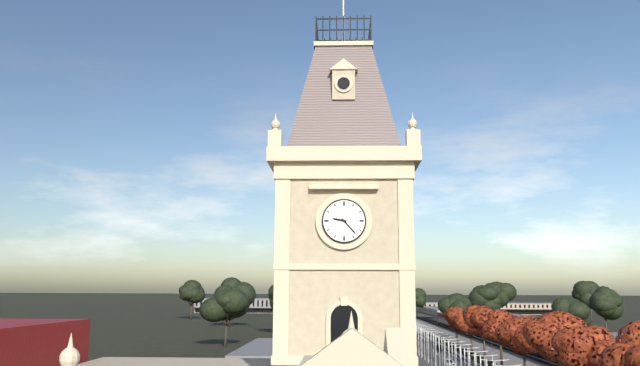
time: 9:23
